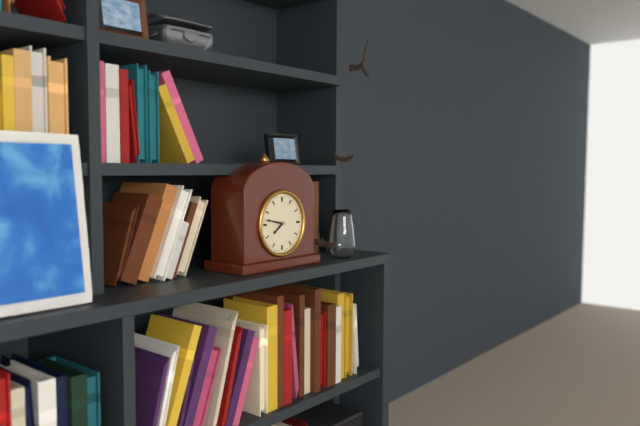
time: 7:47
